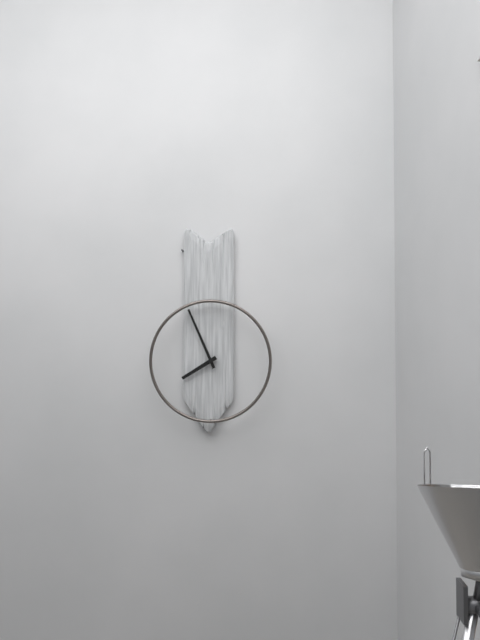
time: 7:56
